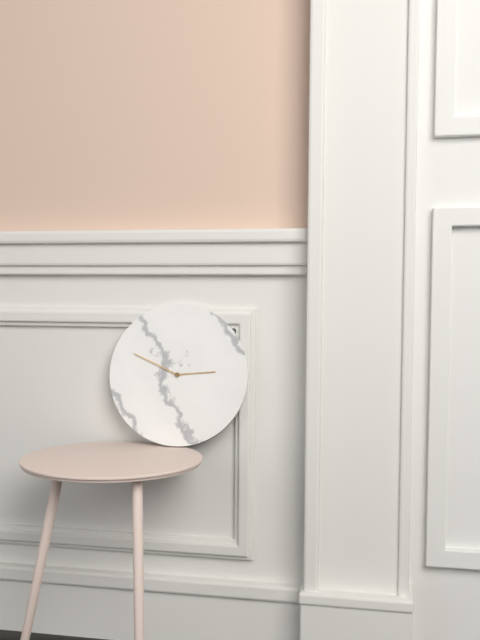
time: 2:49
